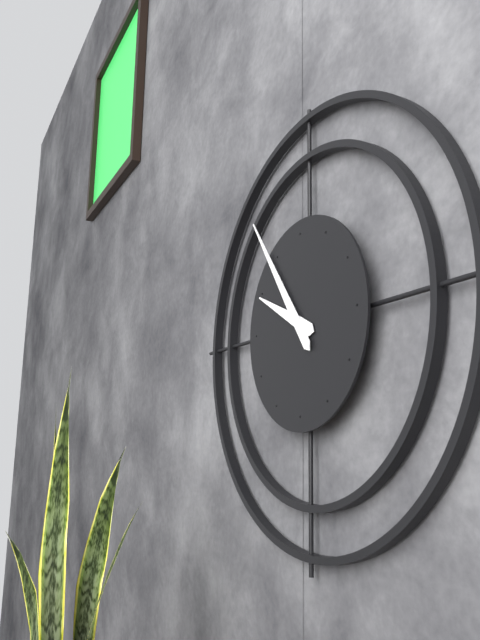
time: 9:54
